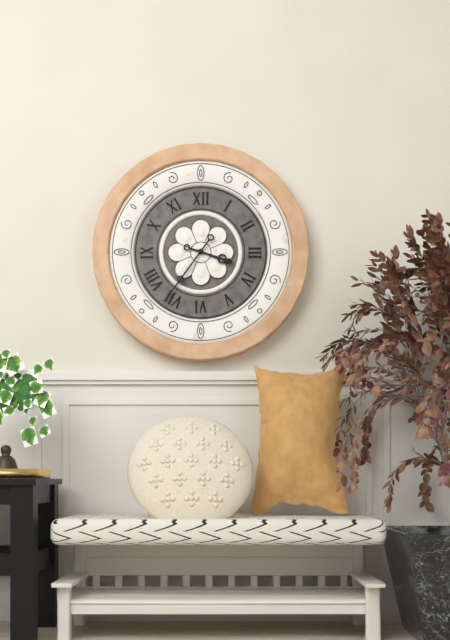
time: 3:36
